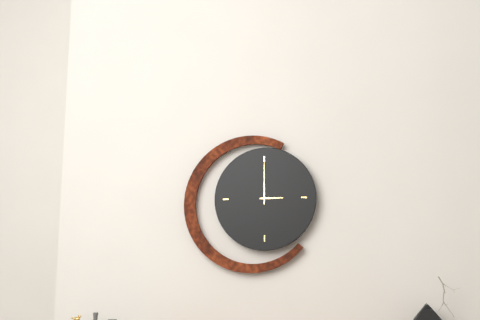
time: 3:00
